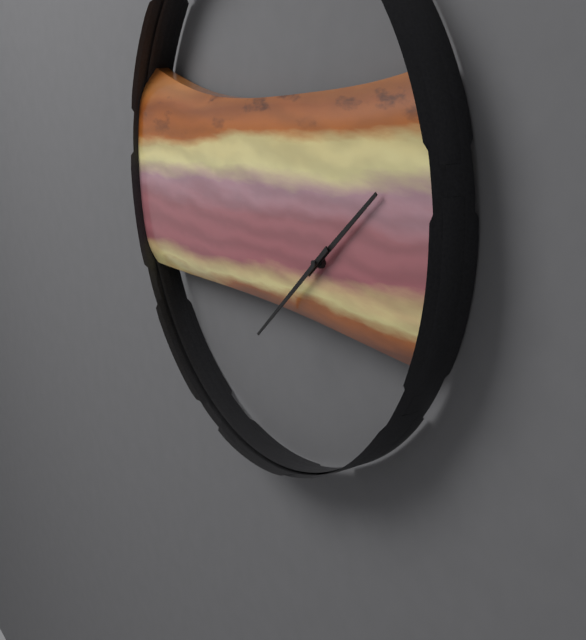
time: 1:38
